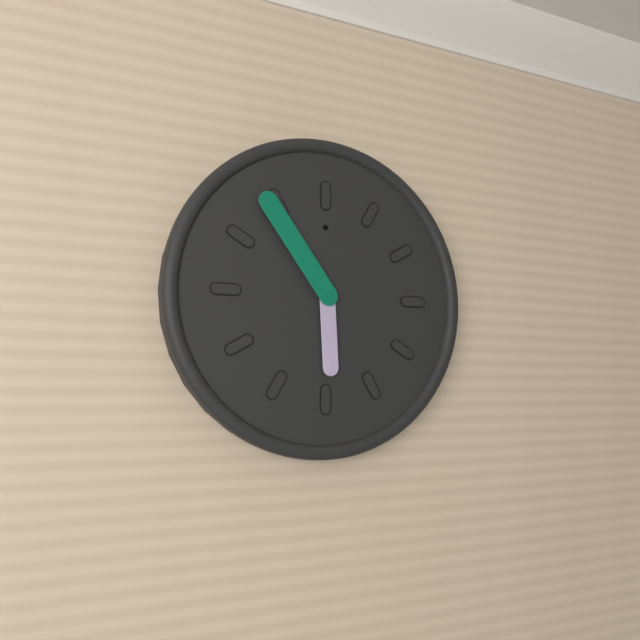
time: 5:54
